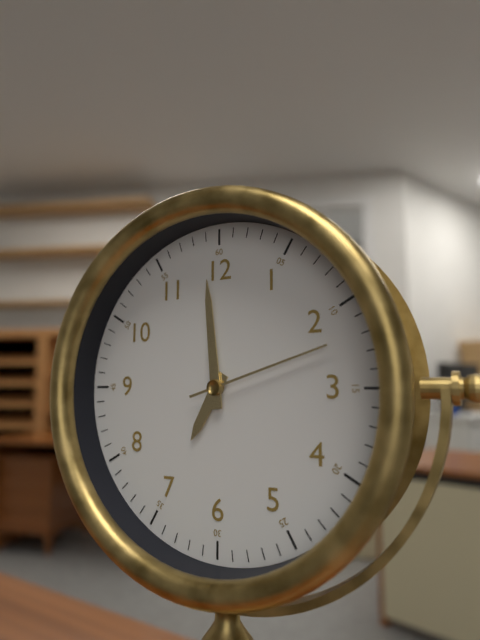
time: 6:59:12
